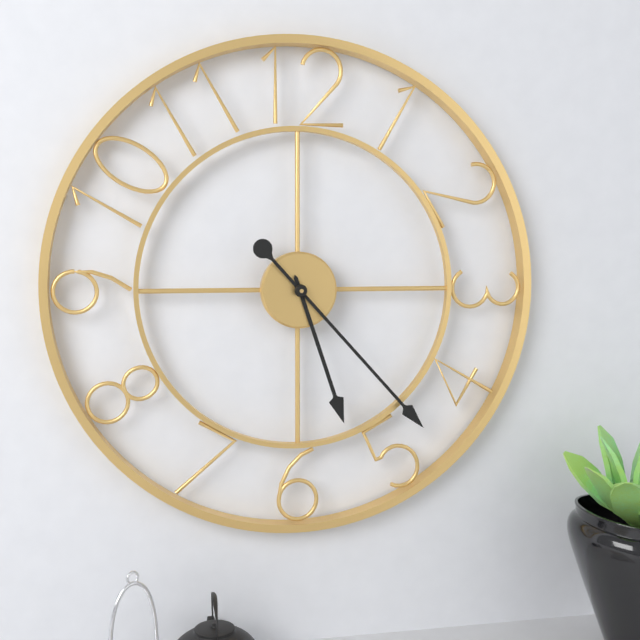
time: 5:23
